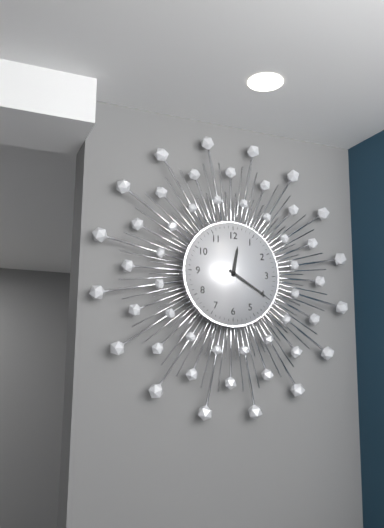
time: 12:20
